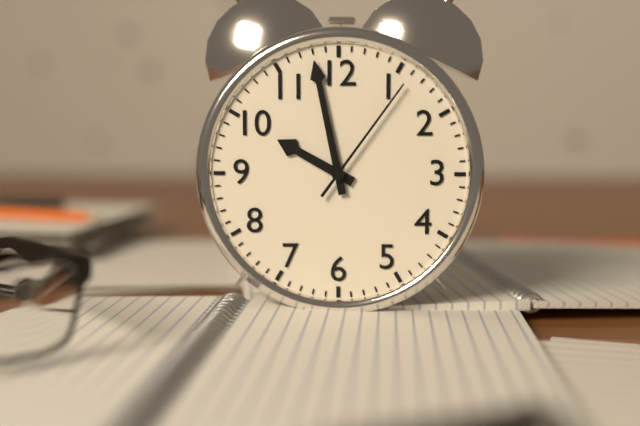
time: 9:58:06
